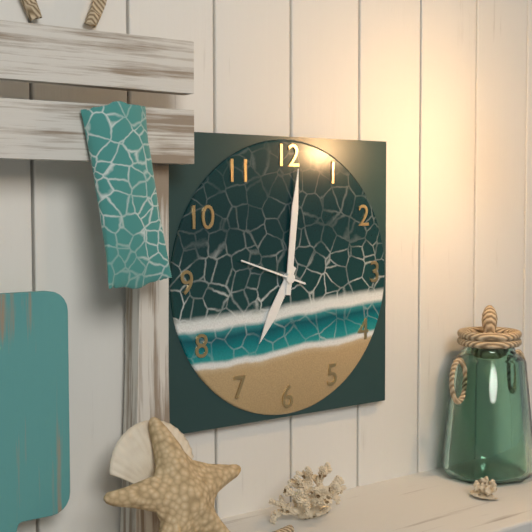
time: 7:01:48
